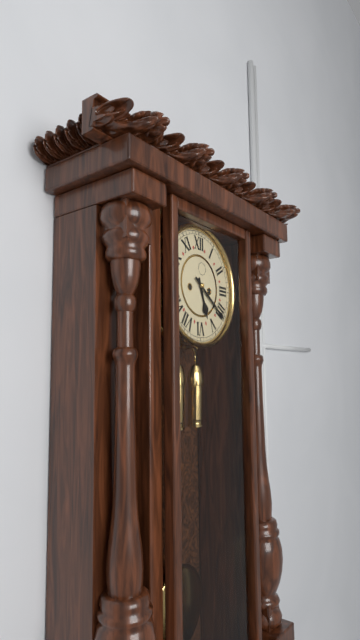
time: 5:21
